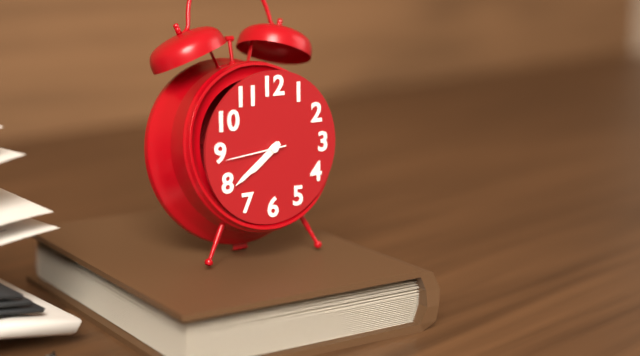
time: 7:39:44
